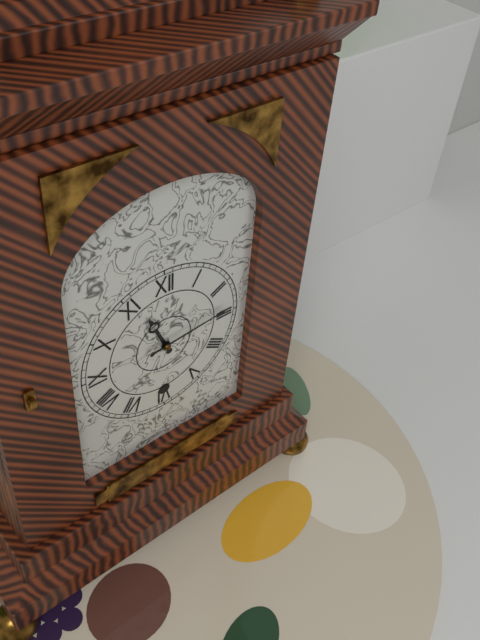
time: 11:14
